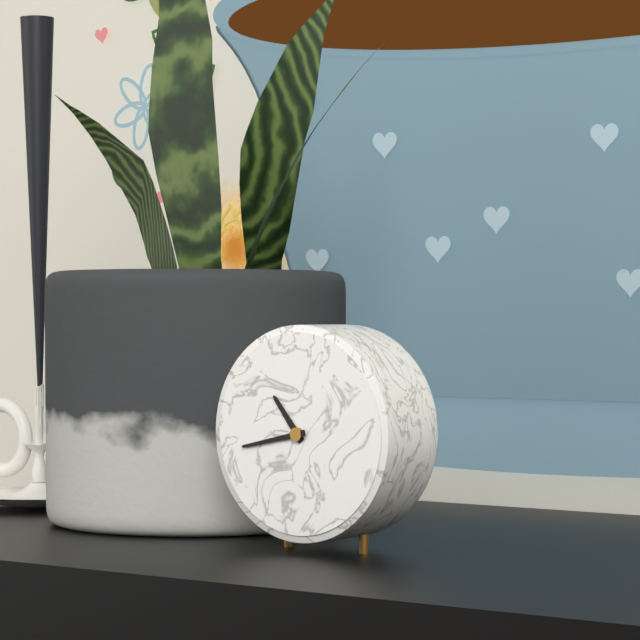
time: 10:43
